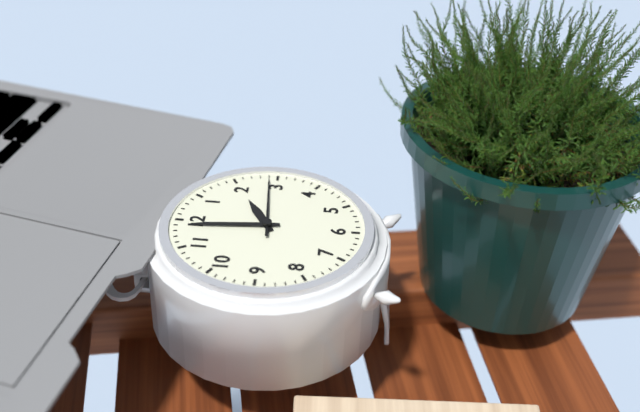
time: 1:59:14
